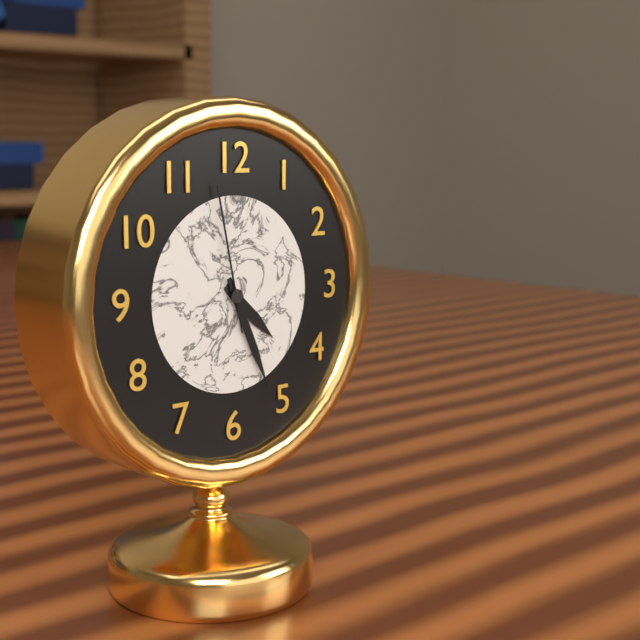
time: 4:26:58
